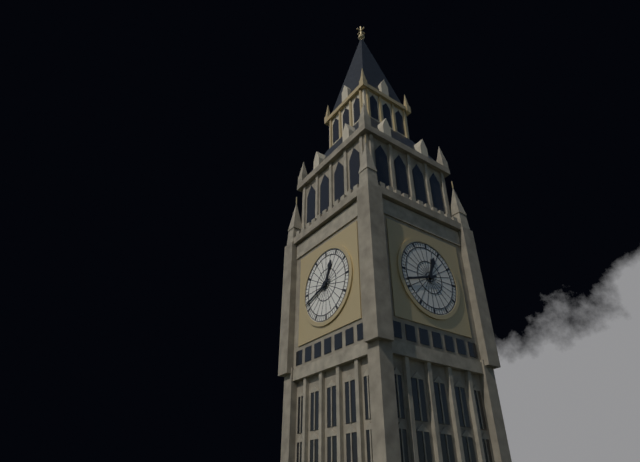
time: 12:42
